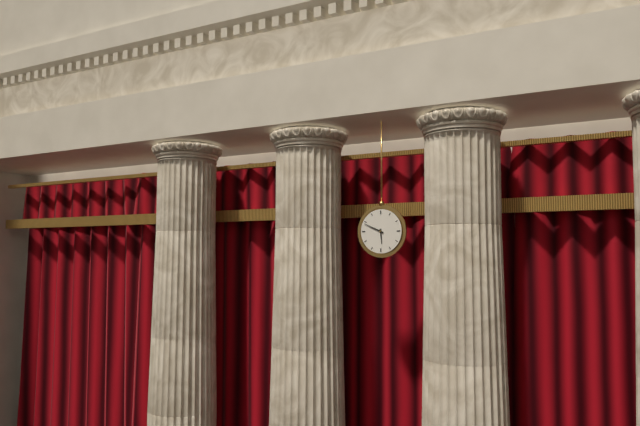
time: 5:49
